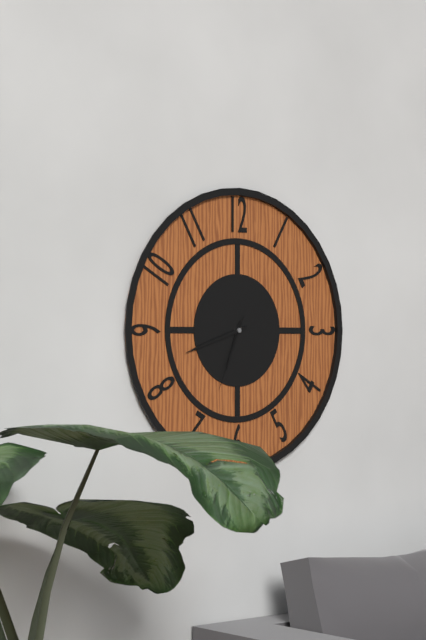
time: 6:42:34
